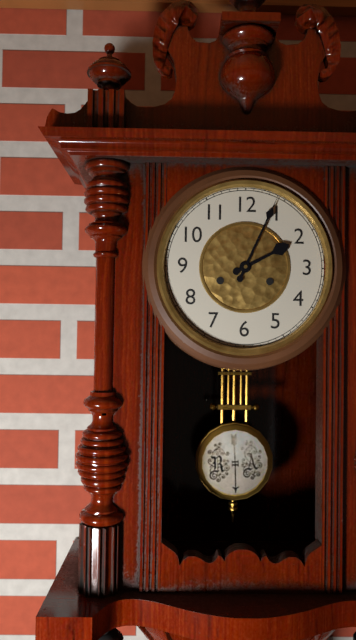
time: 2:04
